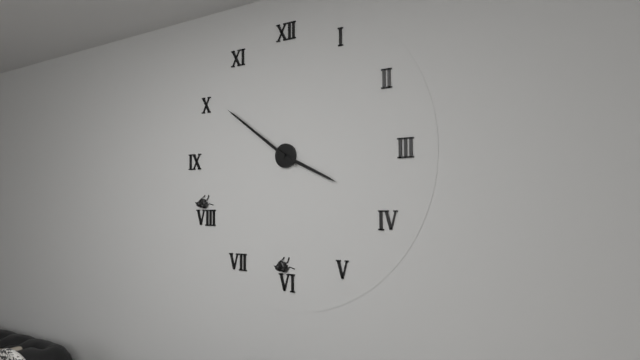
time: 3:51
